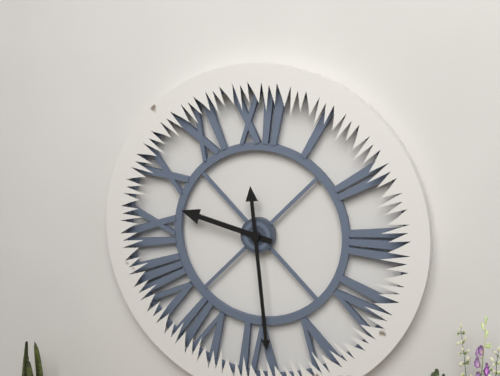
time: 9:29
